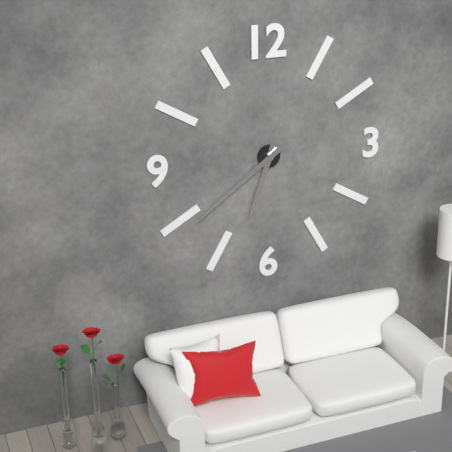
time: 6:39
